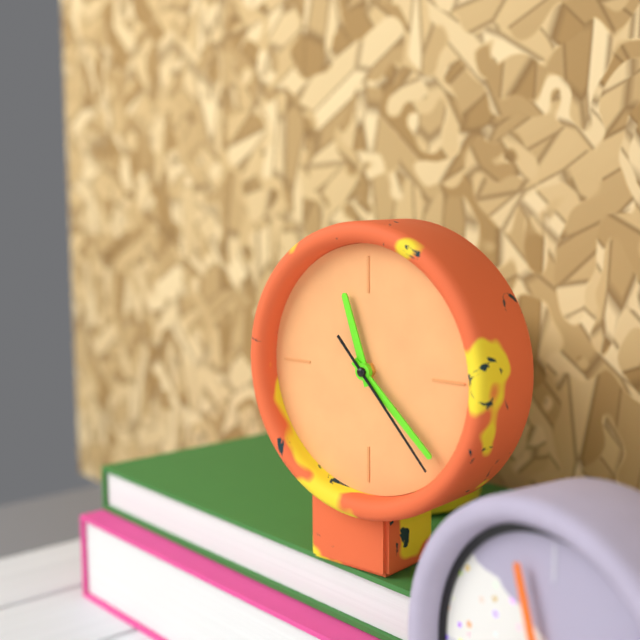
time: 11:22:23
